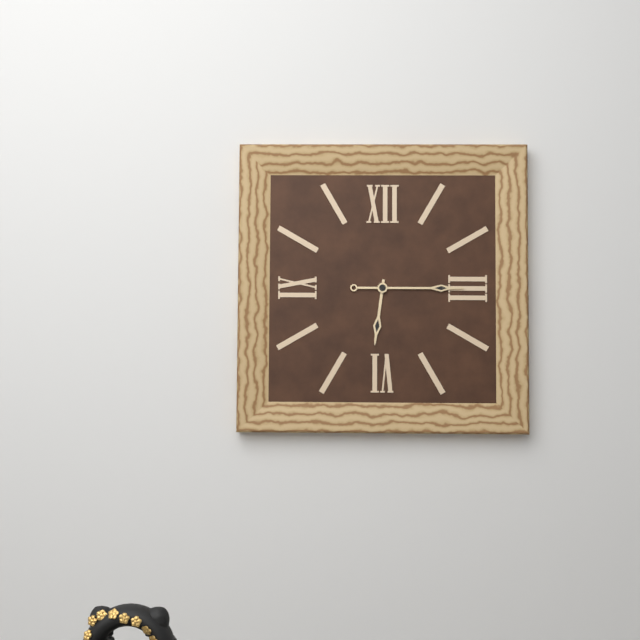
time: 6:15
